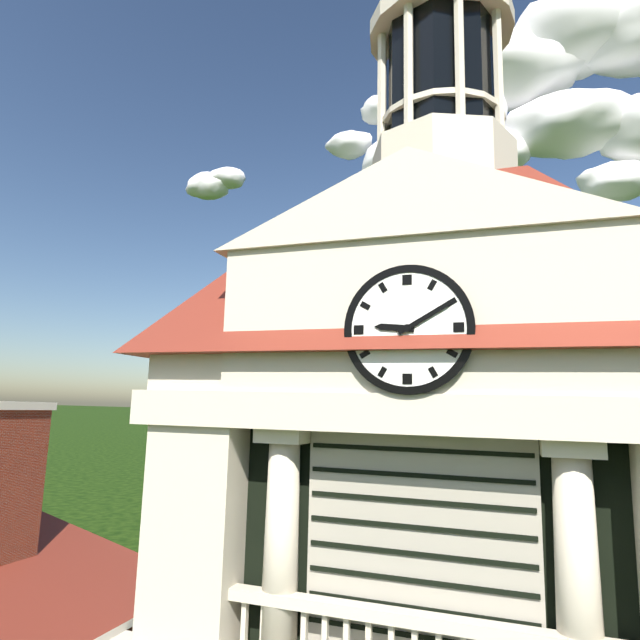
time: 9:10
